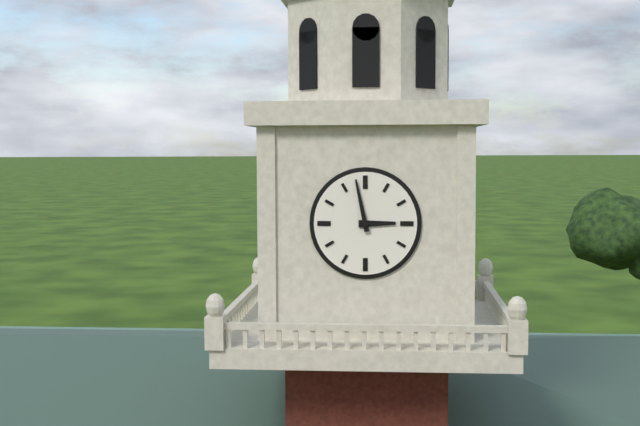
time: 2:58
